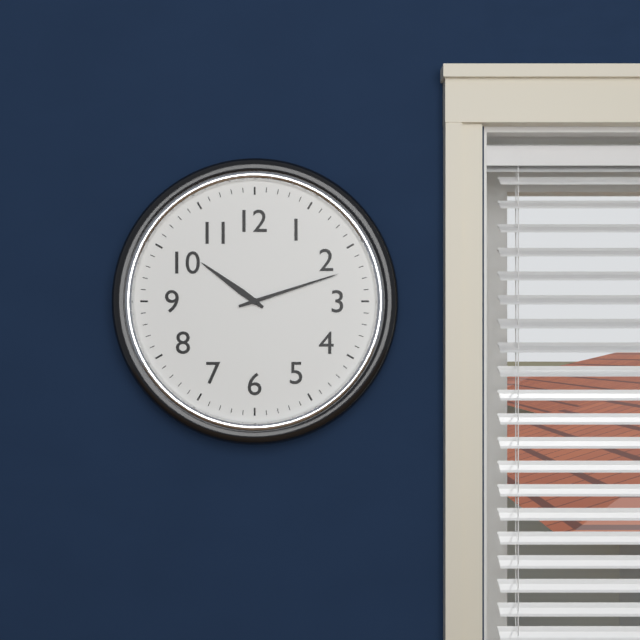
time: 10:12
